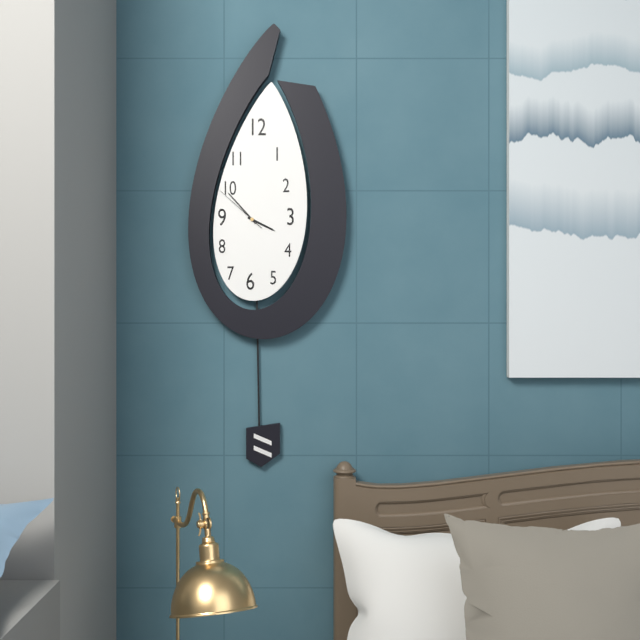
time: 3:53:52
